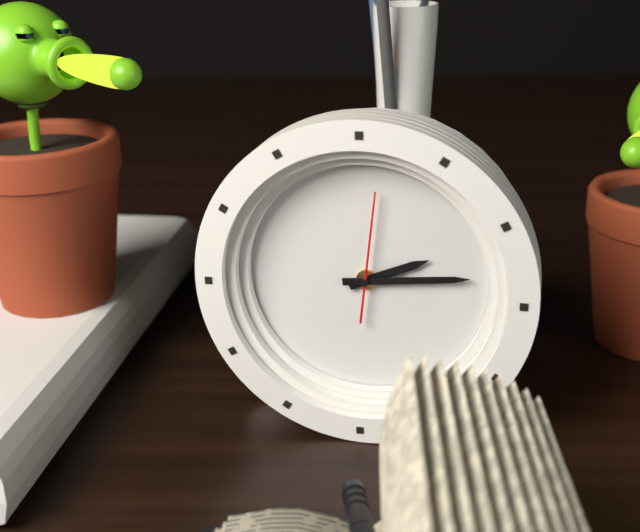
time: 2:14:01
